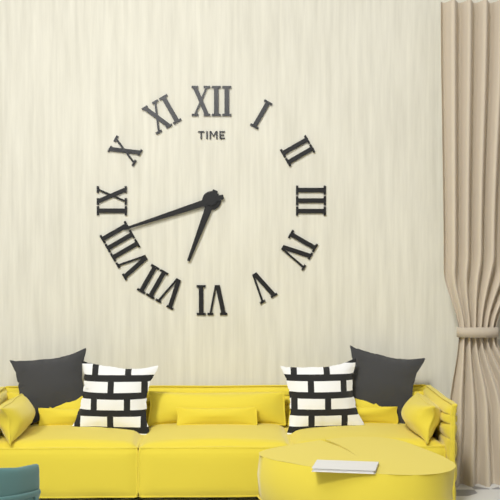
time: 6:42
